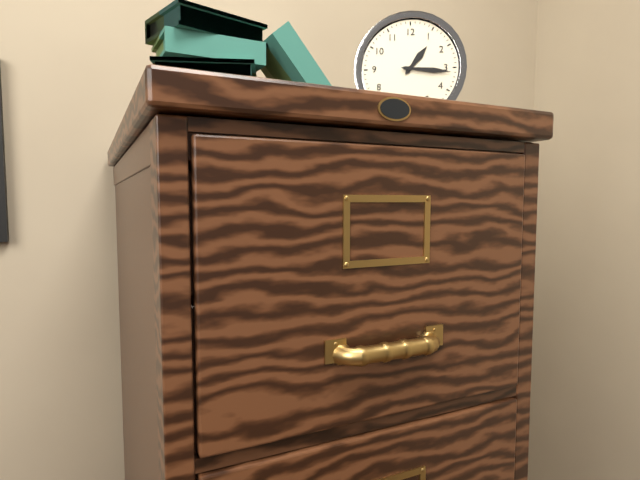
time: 1:16
